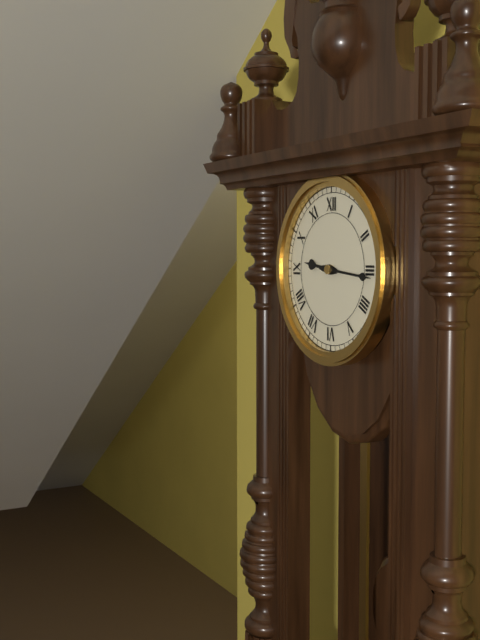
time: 9:16
